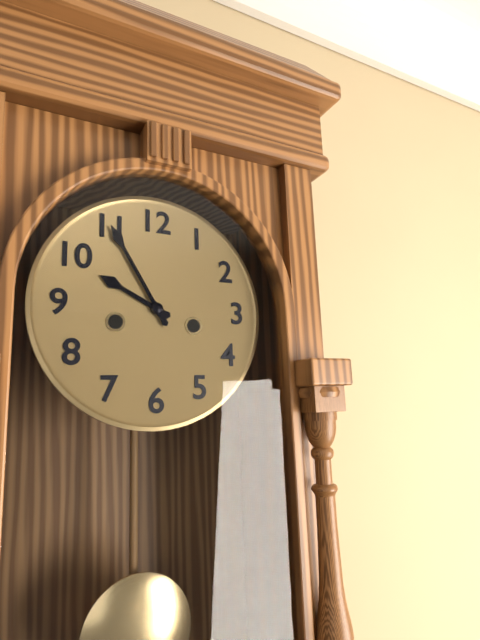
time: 9:55
